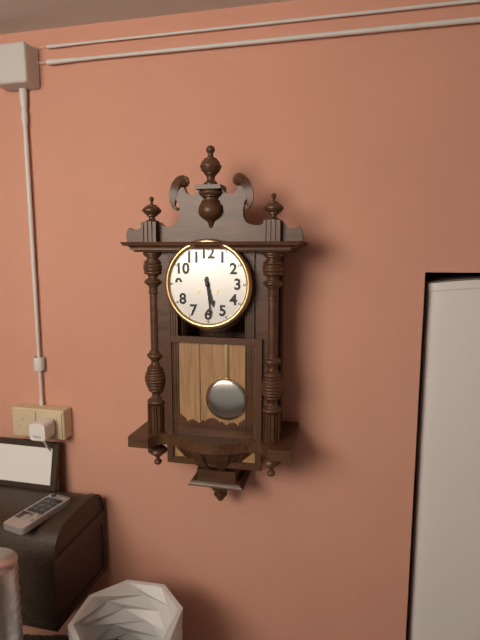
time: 5:29
